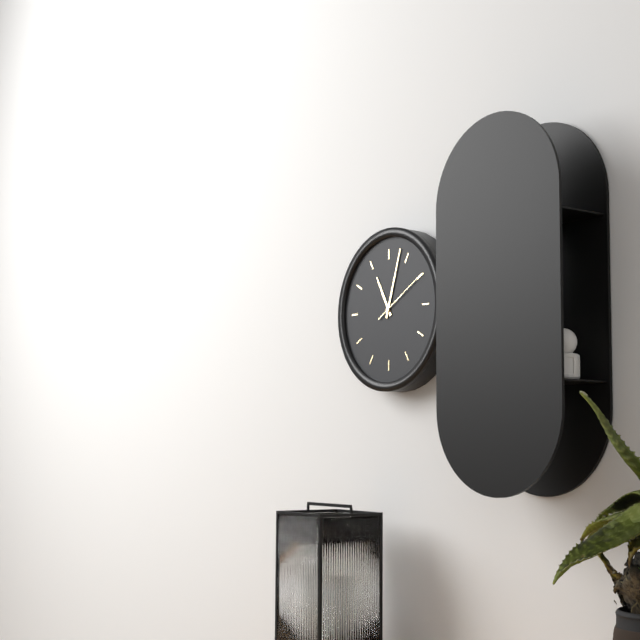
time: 11:03:10
